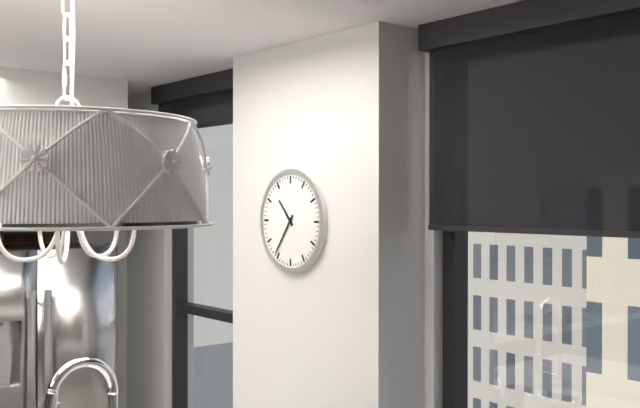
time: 10:36
